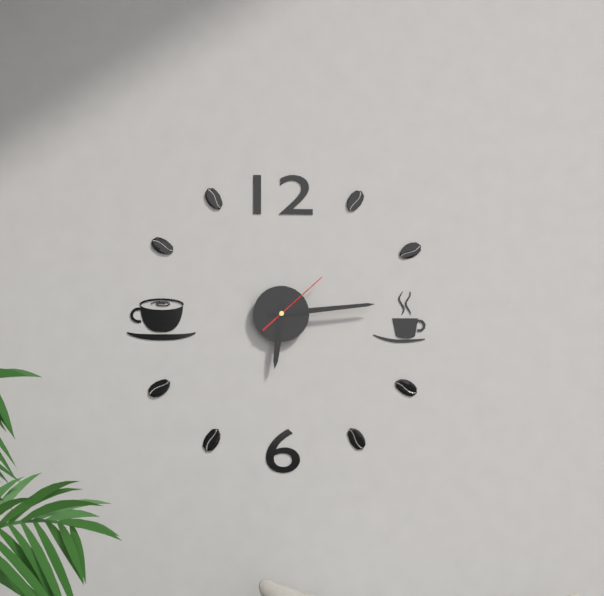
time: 6:14:08
